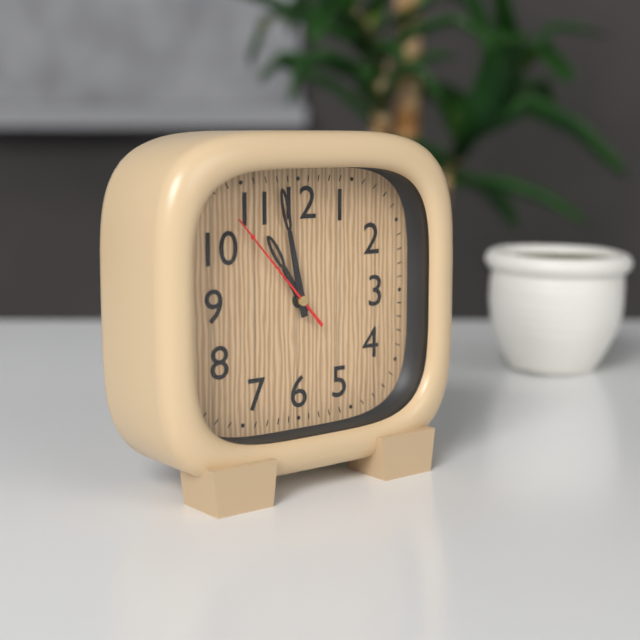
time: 10:58:53
